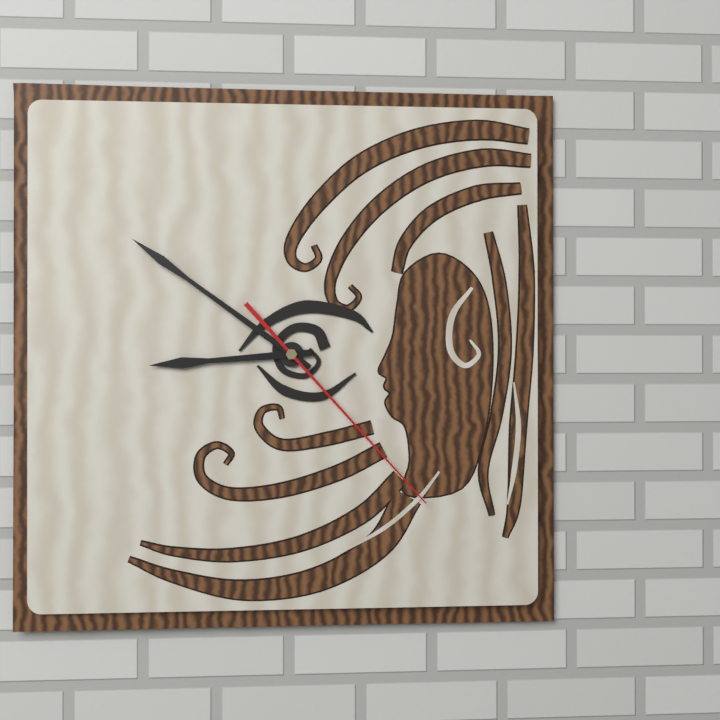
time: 8:51:23
